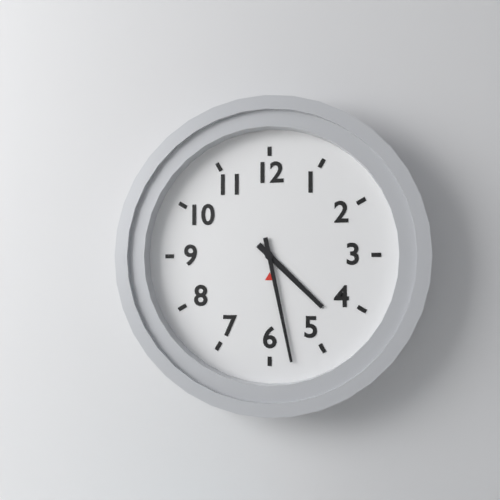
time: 4:28
